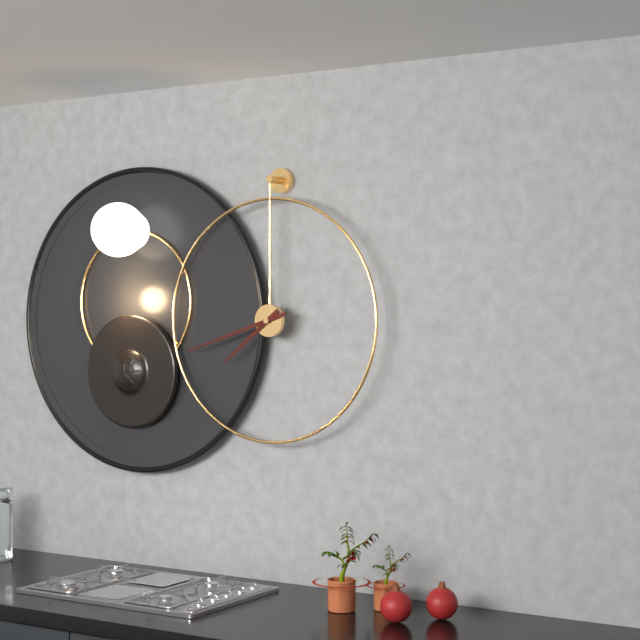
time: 7:42
